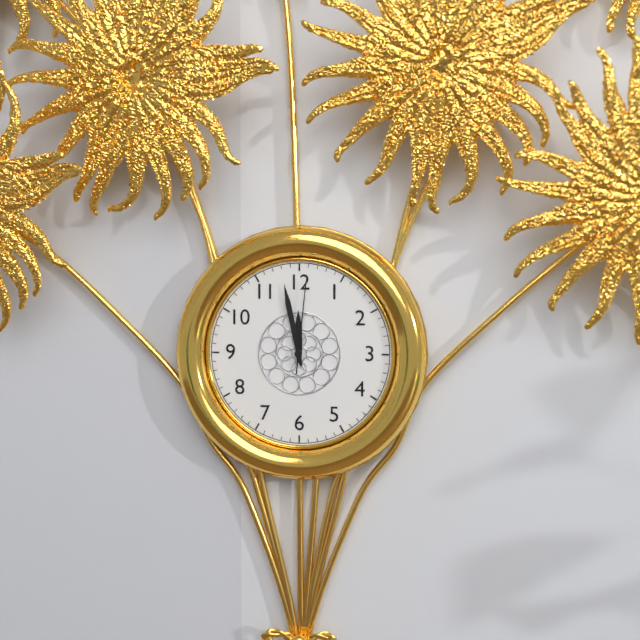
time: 11:58:01
